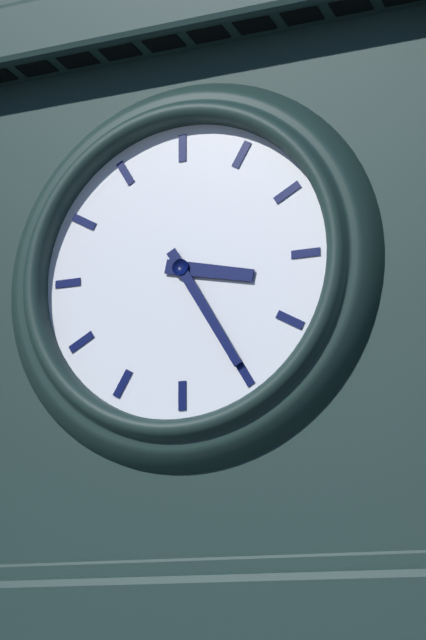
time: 3:25
